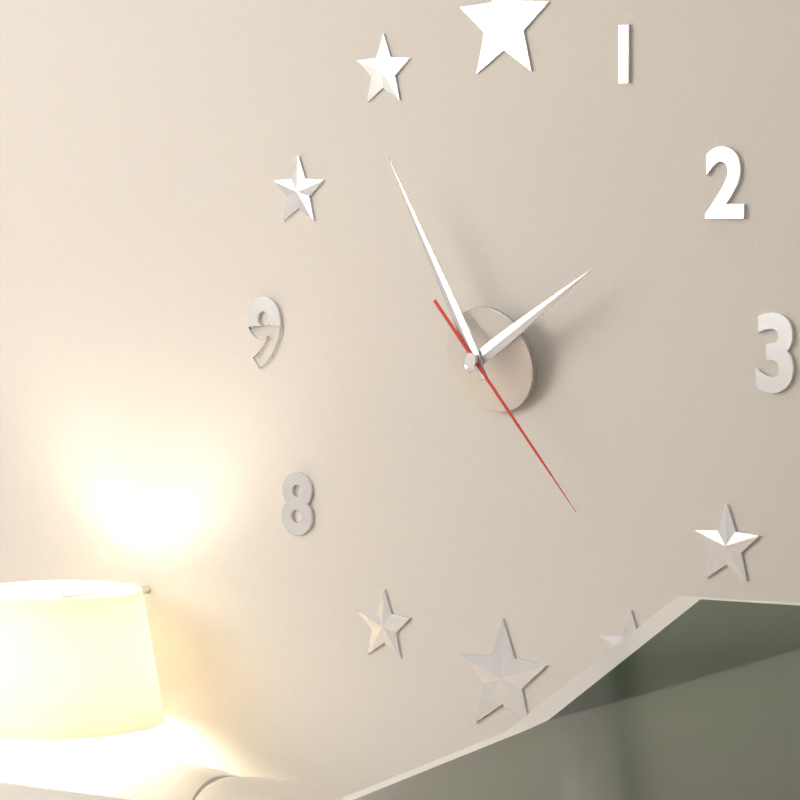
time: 1:55:23
